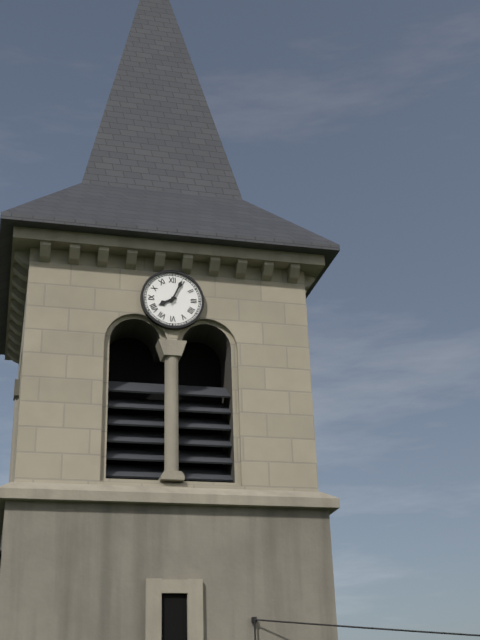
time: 8:04
